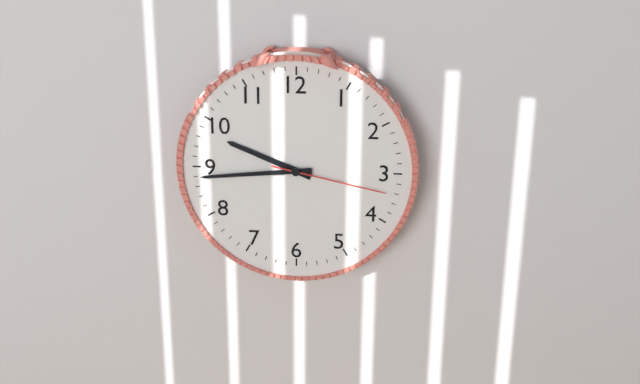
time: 9:44:17
